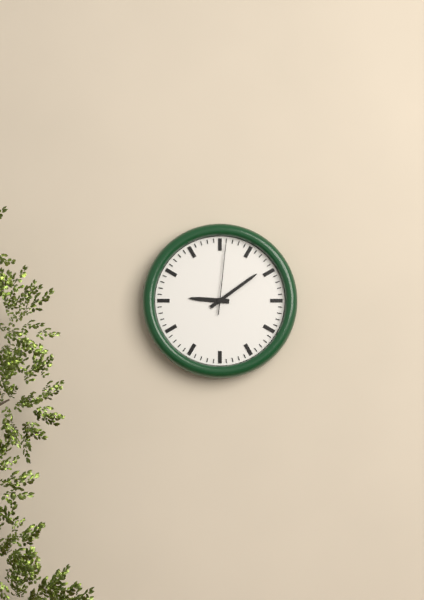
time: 9:09:01
